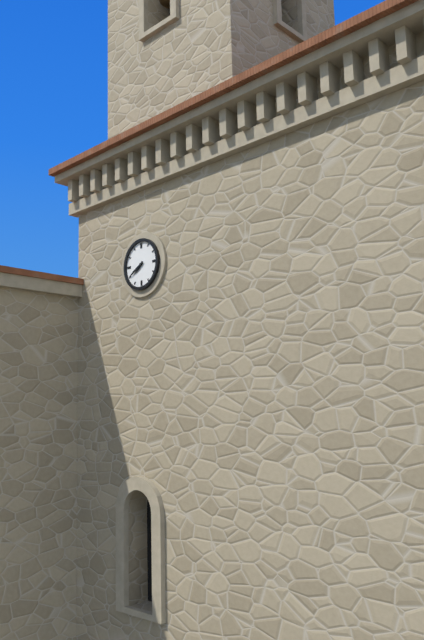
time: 7:40
